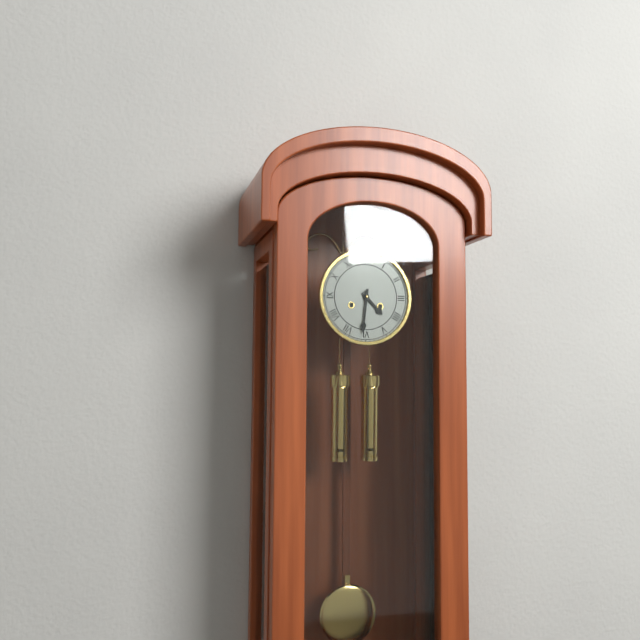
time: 4:31
